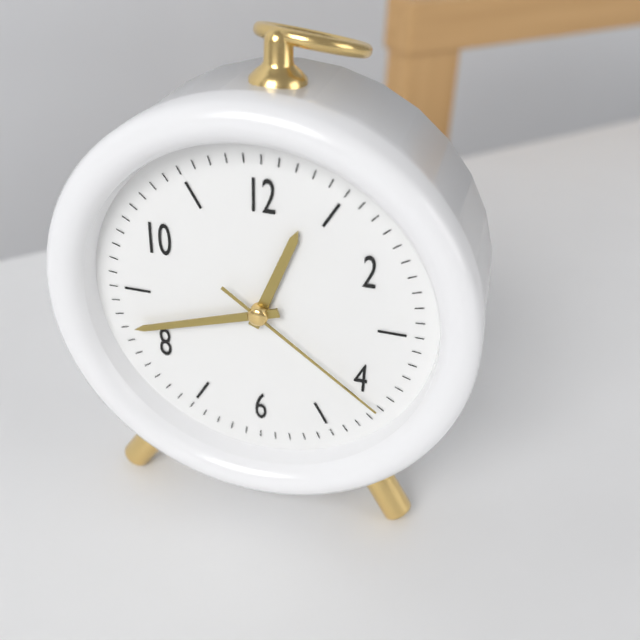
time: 12:42:21
